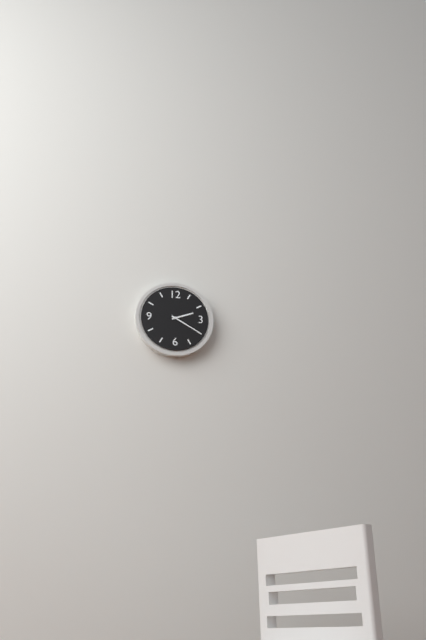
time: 2:20
